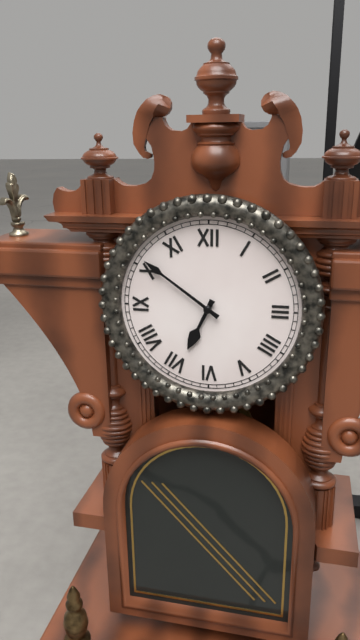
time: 6:51
